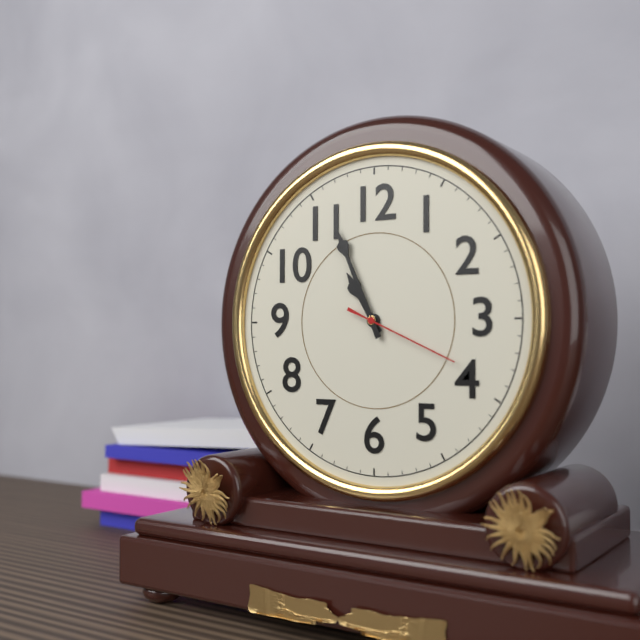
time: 10:56:19
